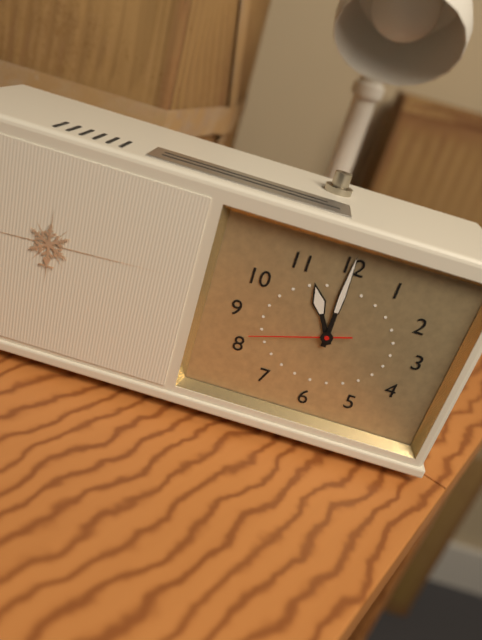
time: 11:00:42
